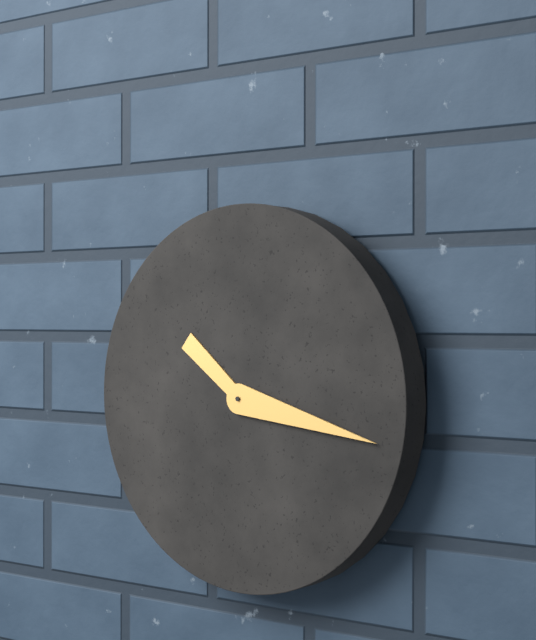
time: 10:17
